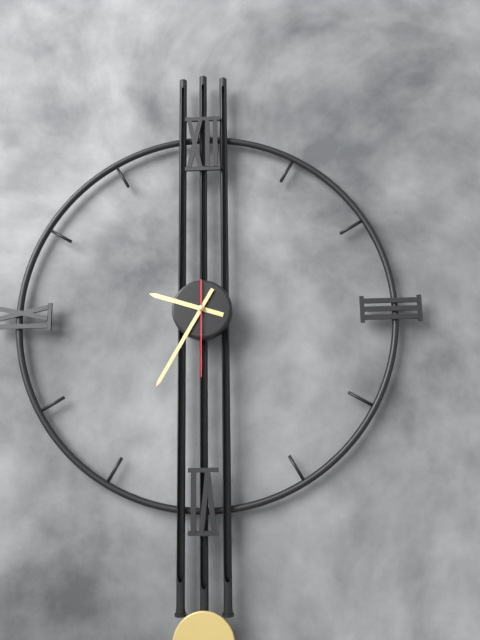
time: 9:35:30
